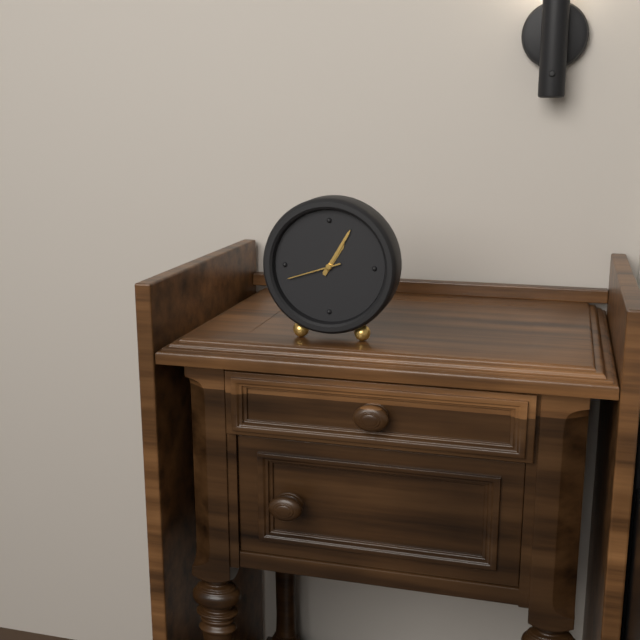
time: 1:05:42
